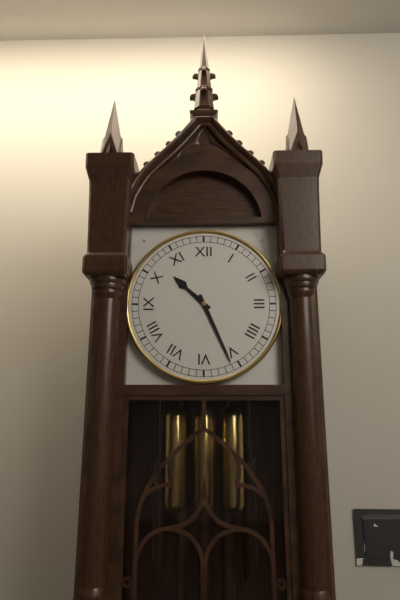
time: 10:26
